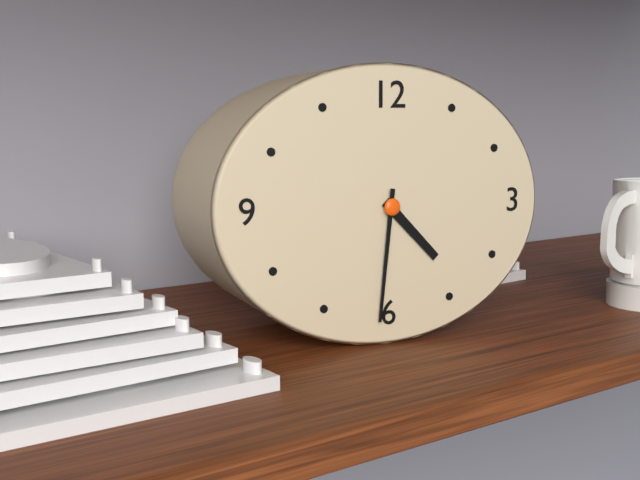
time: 4:31
